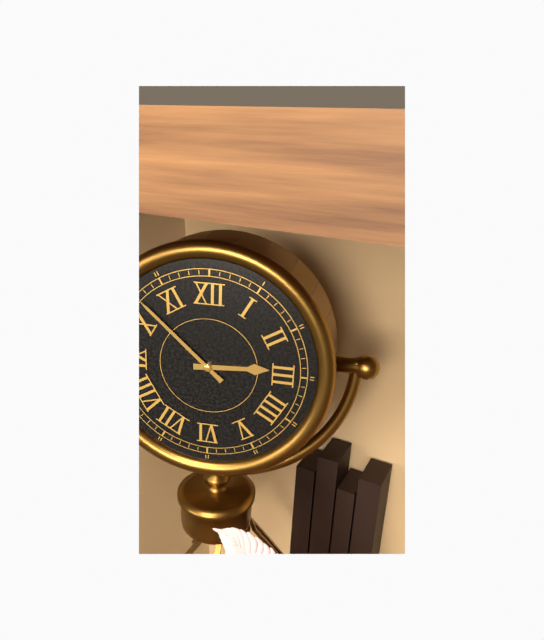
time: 2:52
